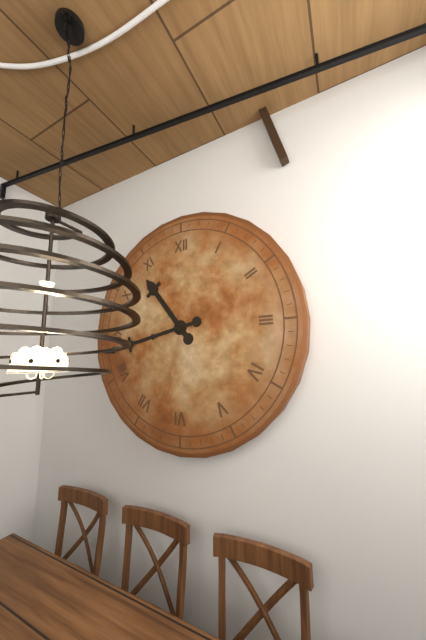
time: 10:43
